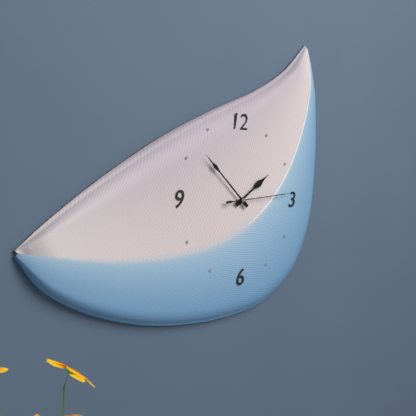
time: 1:52:14
